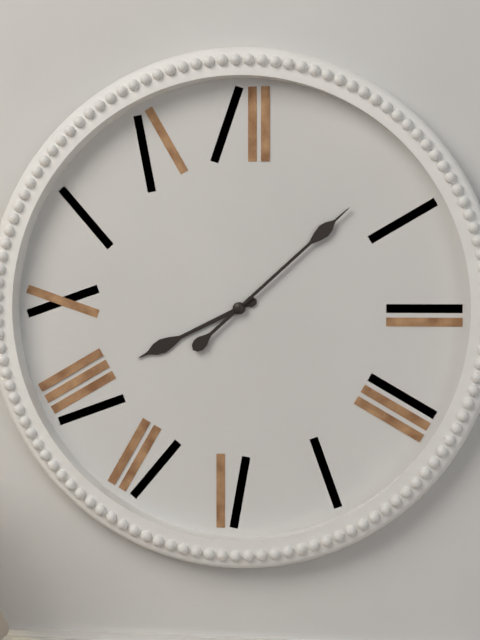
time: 8:08
